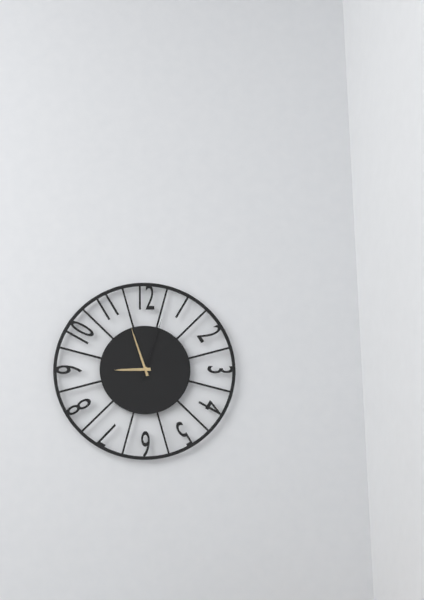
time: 8:57:03
